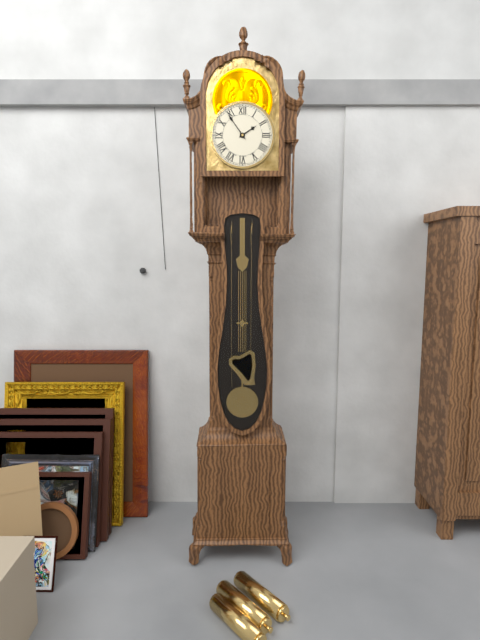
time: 1:54
